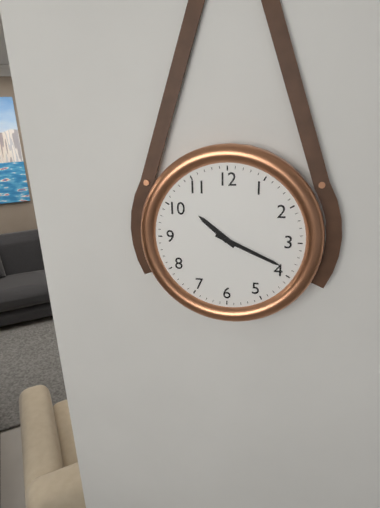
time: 10:19
